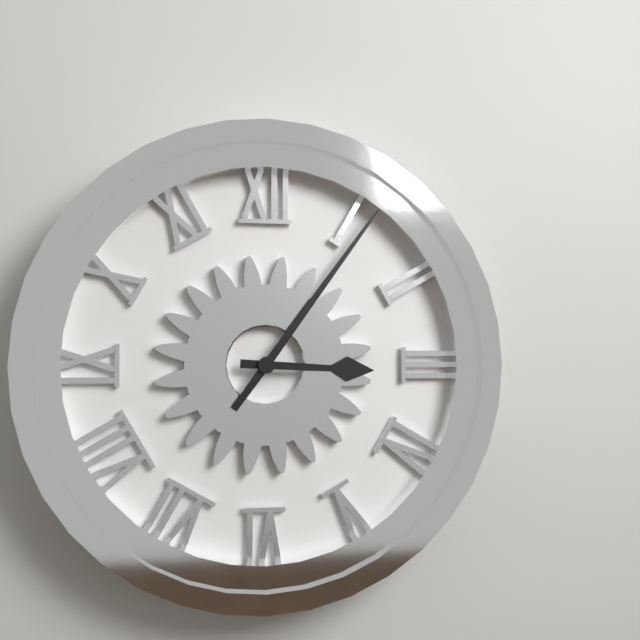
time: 3:06
